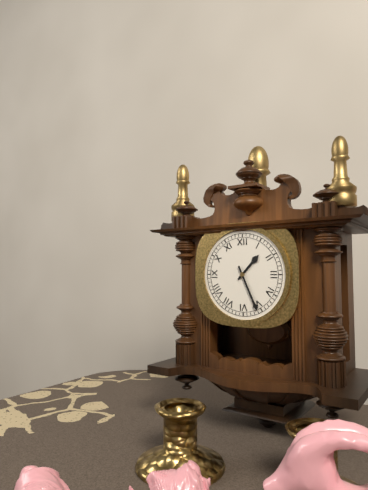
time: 1:26
